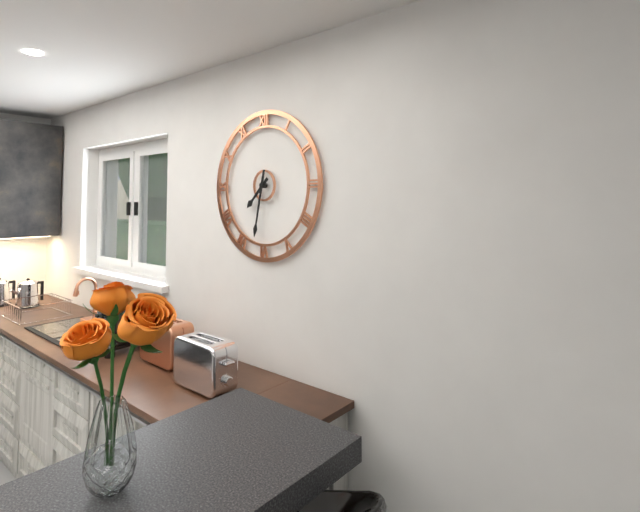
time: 7:32
